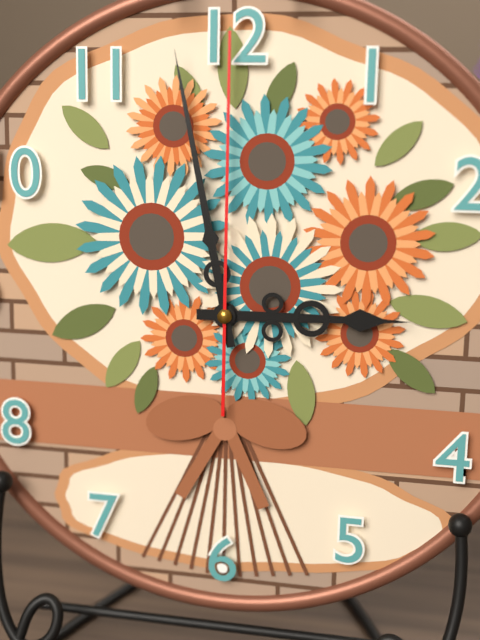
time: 2:58:00
